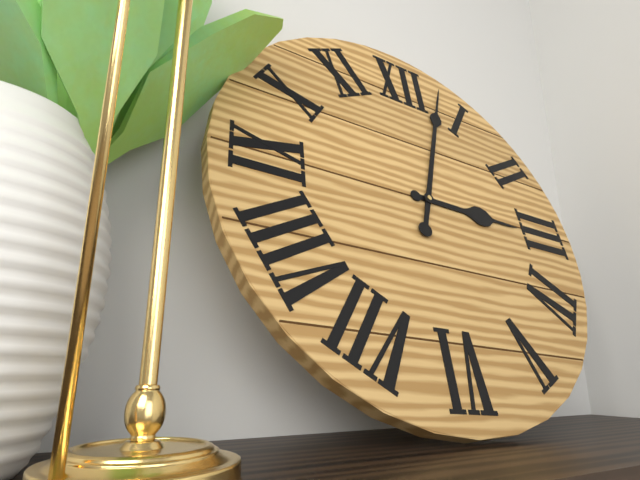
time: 3:03
